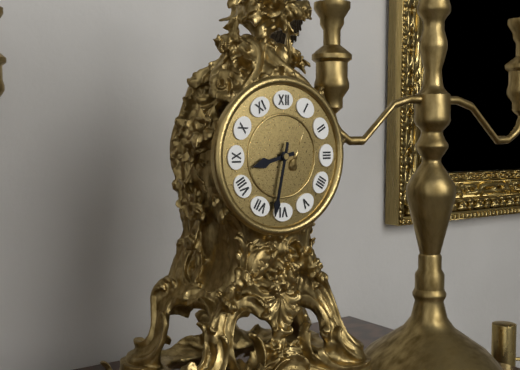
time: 8:32
